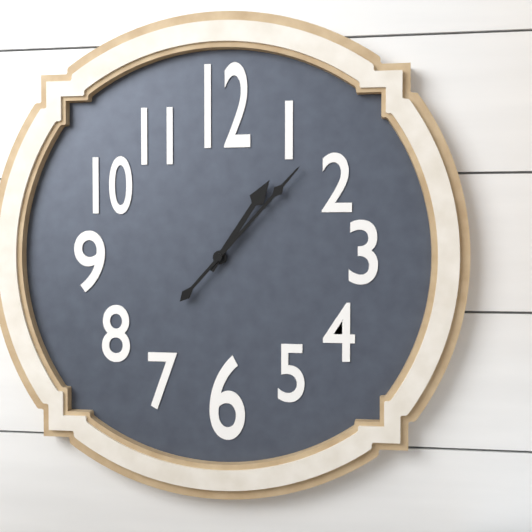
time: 1:07
